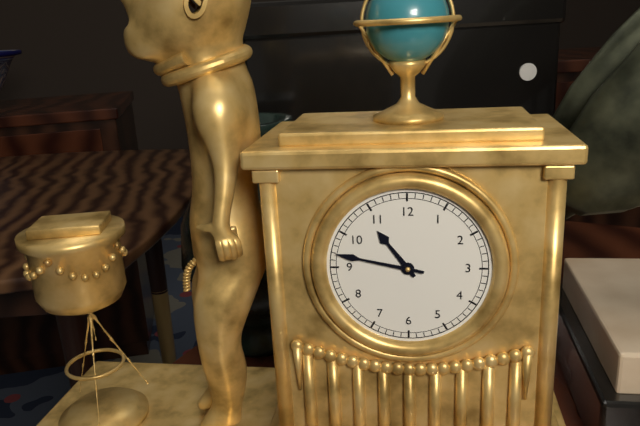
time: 10:47
